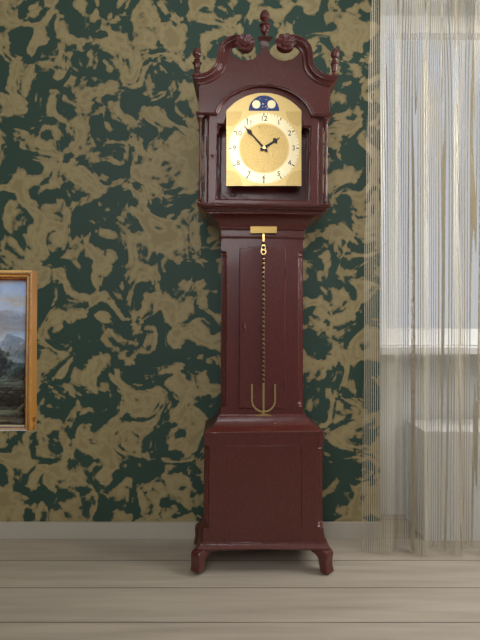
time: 1:53
